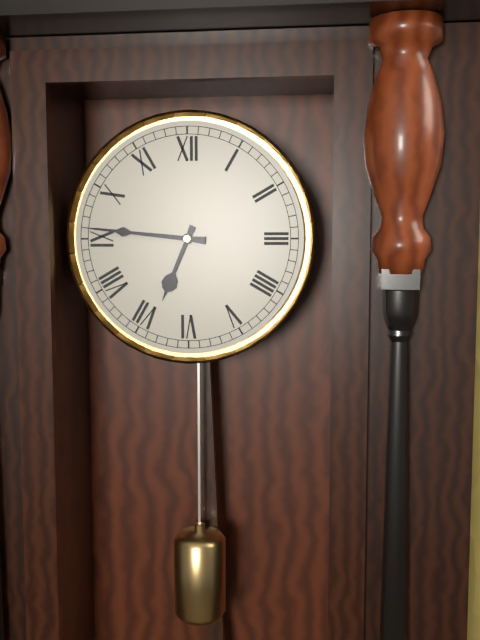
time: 6:46
